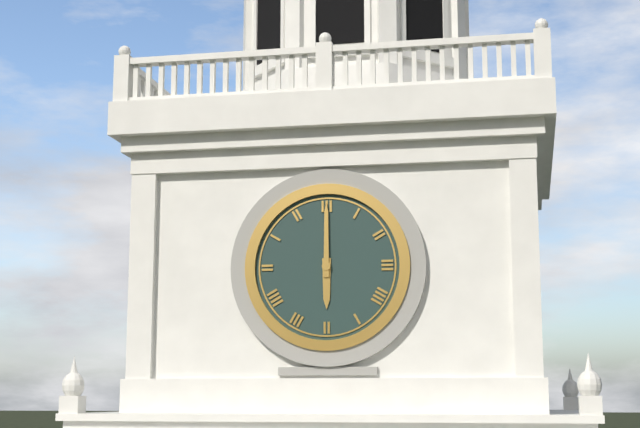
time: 6:00
